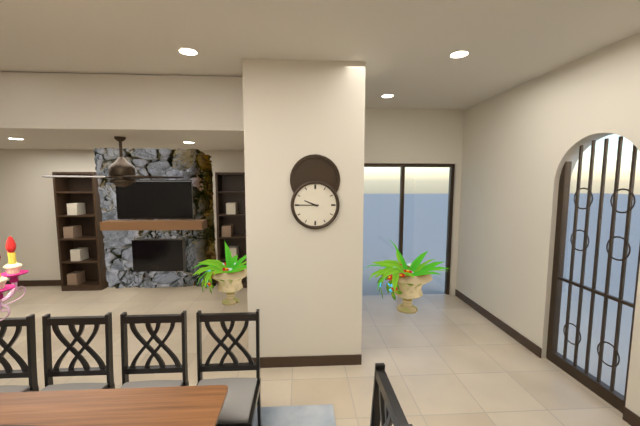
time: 9:45
